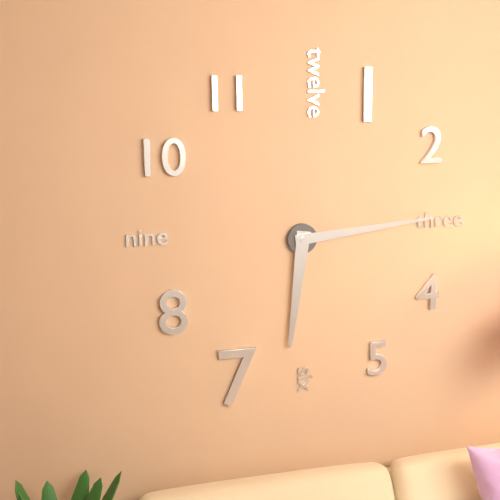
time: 6:14
